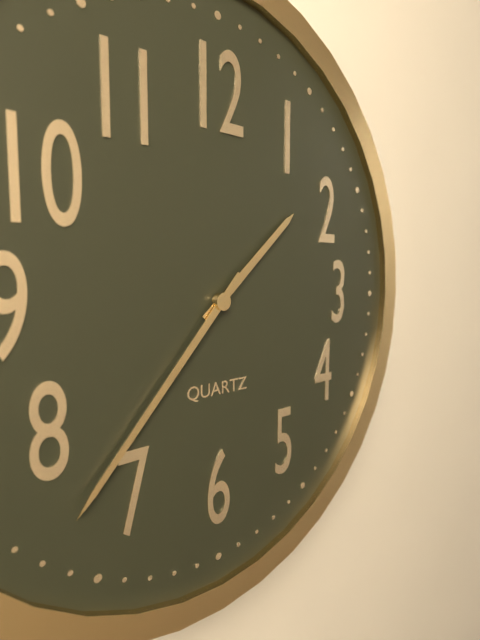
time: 1:37
